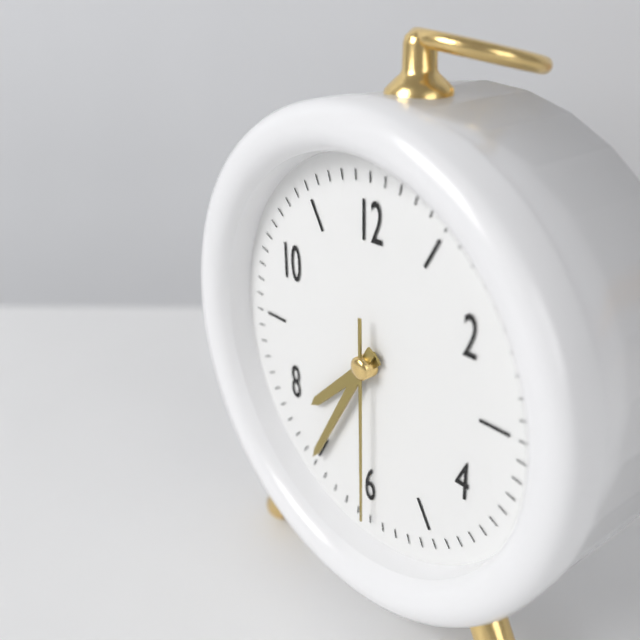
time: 7:35:30
